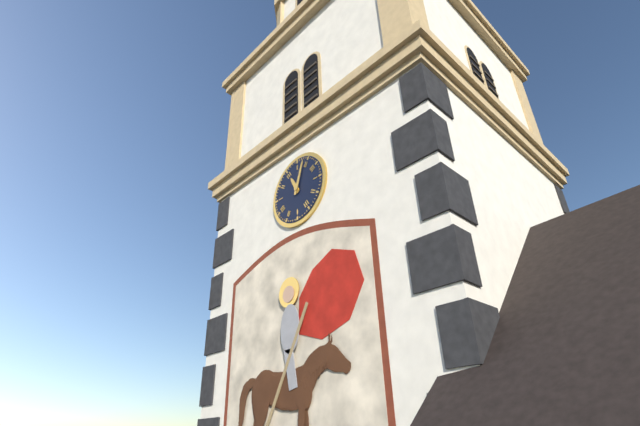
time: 11:03
